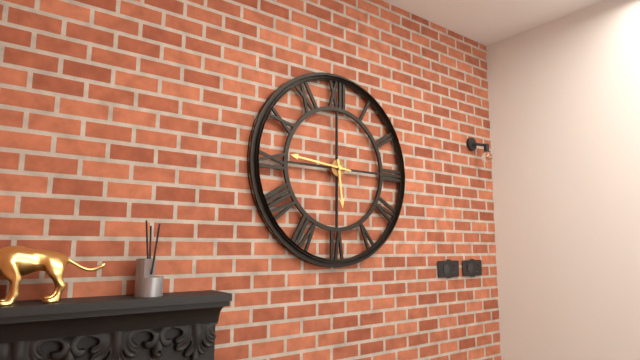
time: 5:46
